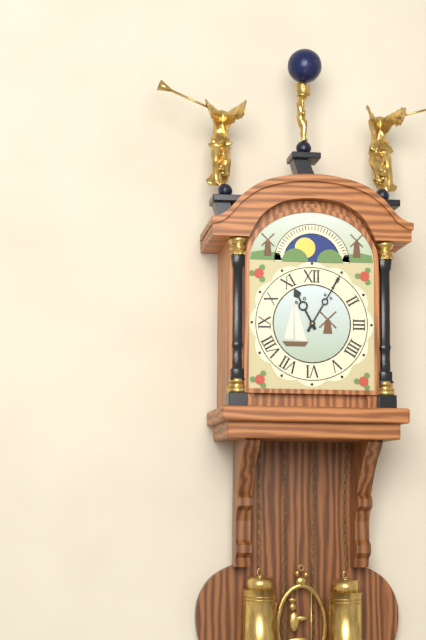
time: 11:05
